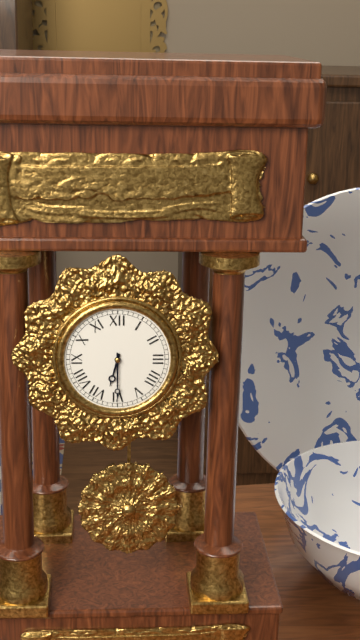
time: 6:30
